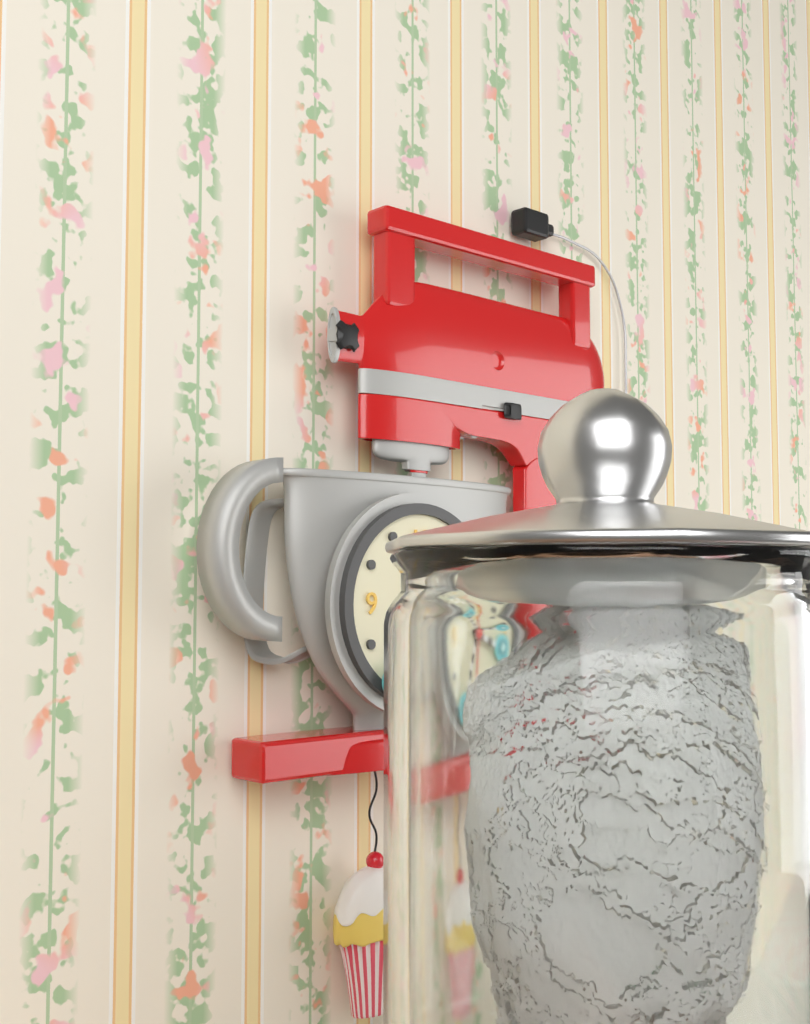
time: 3:35:31
